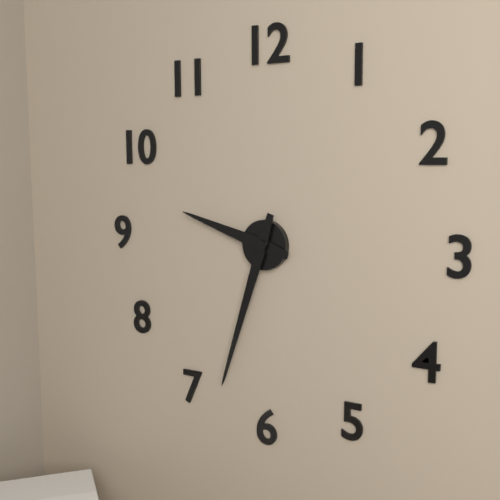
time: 9:33
